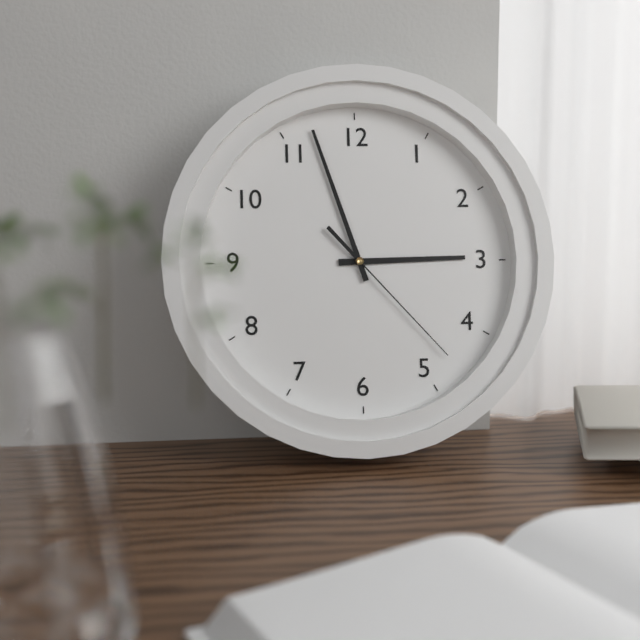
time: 2:57:23
